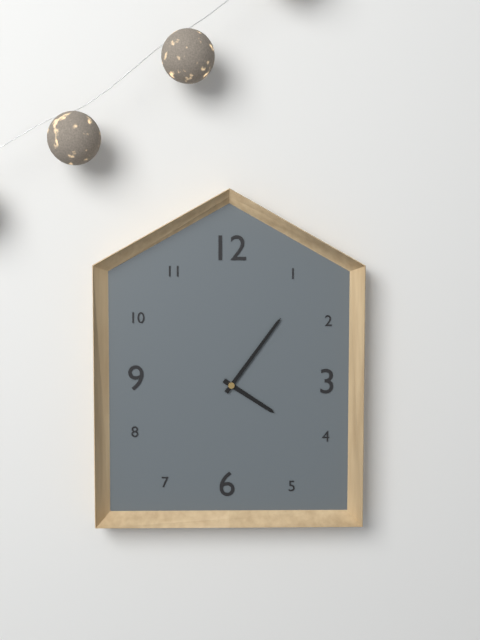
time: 4:06
